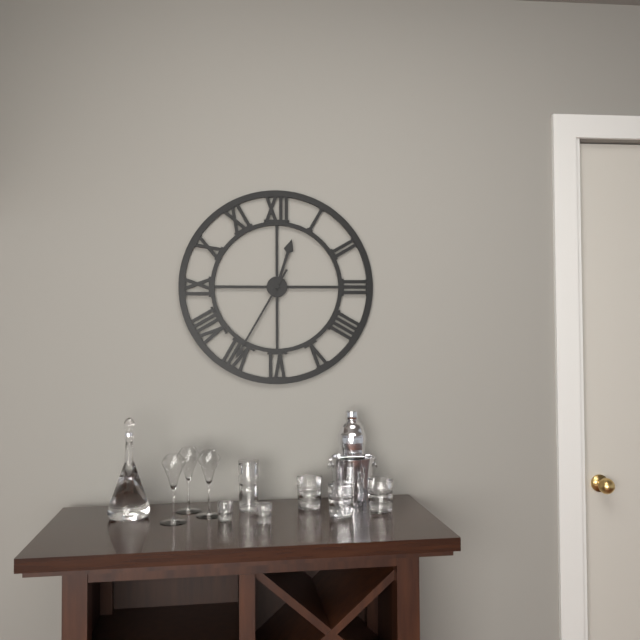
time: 12:35
